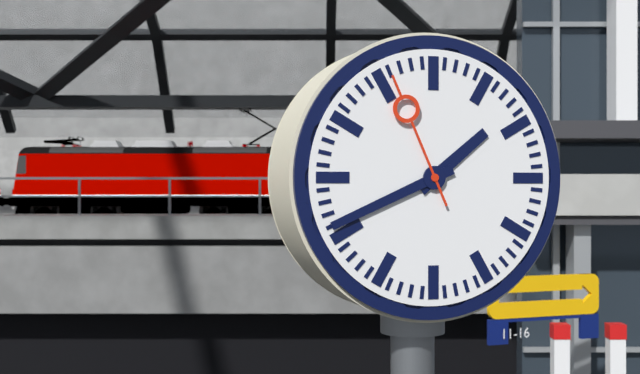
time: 1:41:56
